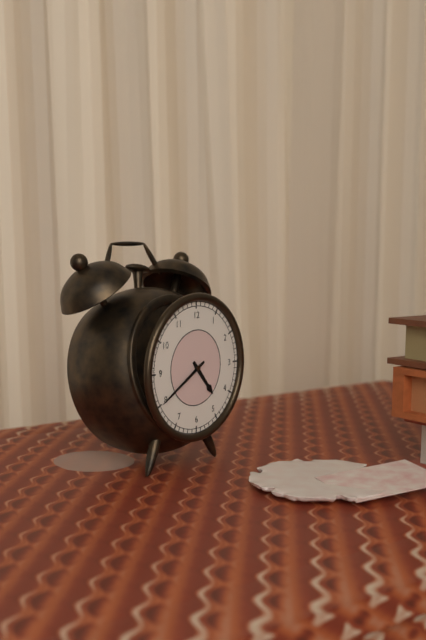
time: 4:40
